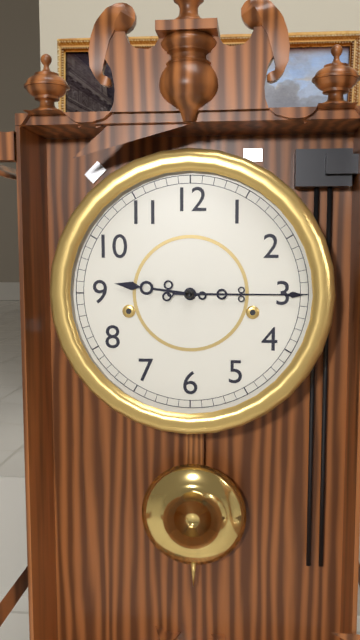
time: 9:15
